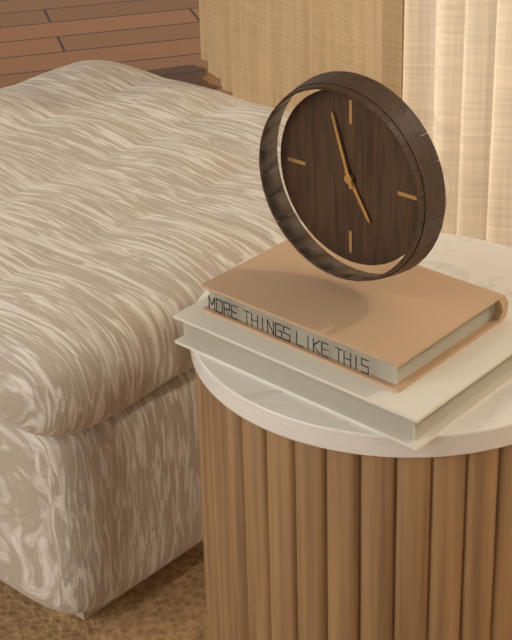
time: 4:57
